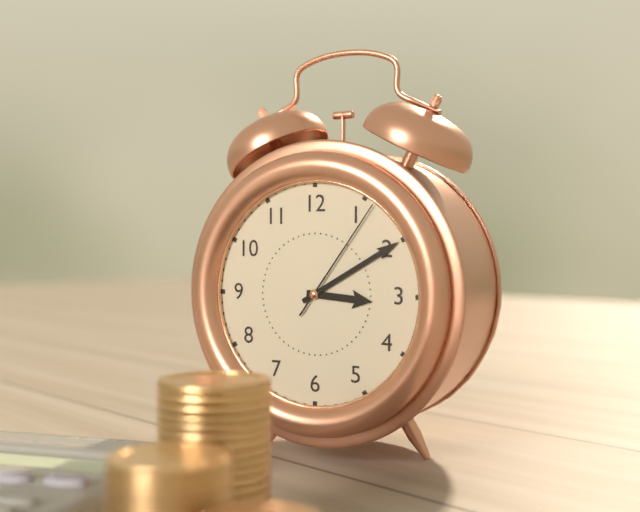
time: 3:10:06
